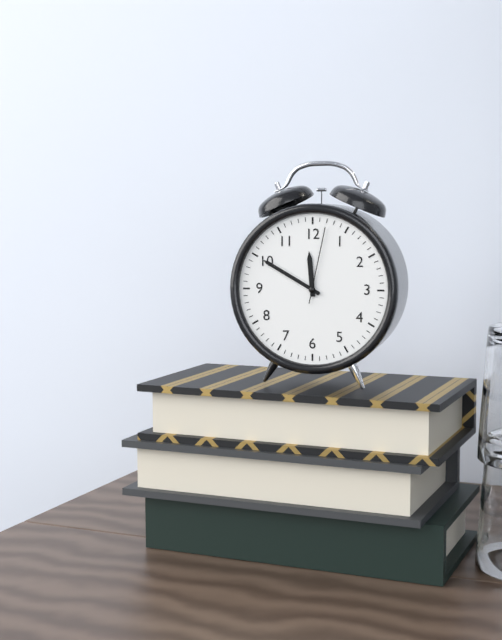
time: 11:50:02
